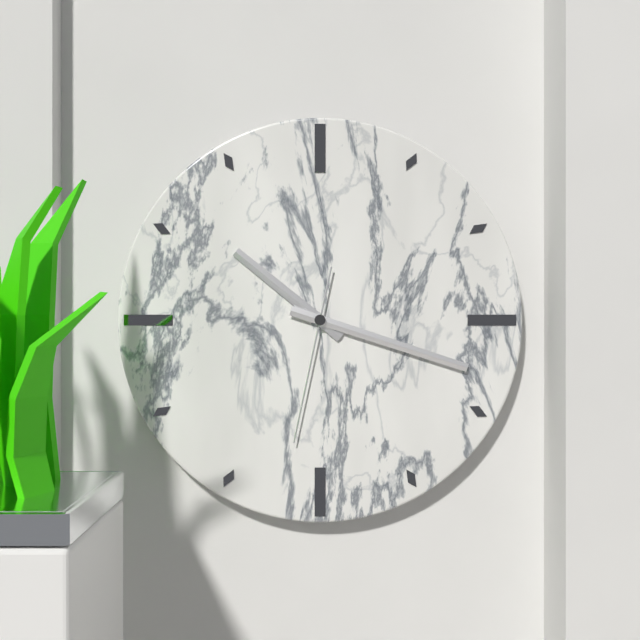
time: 10:18:32
